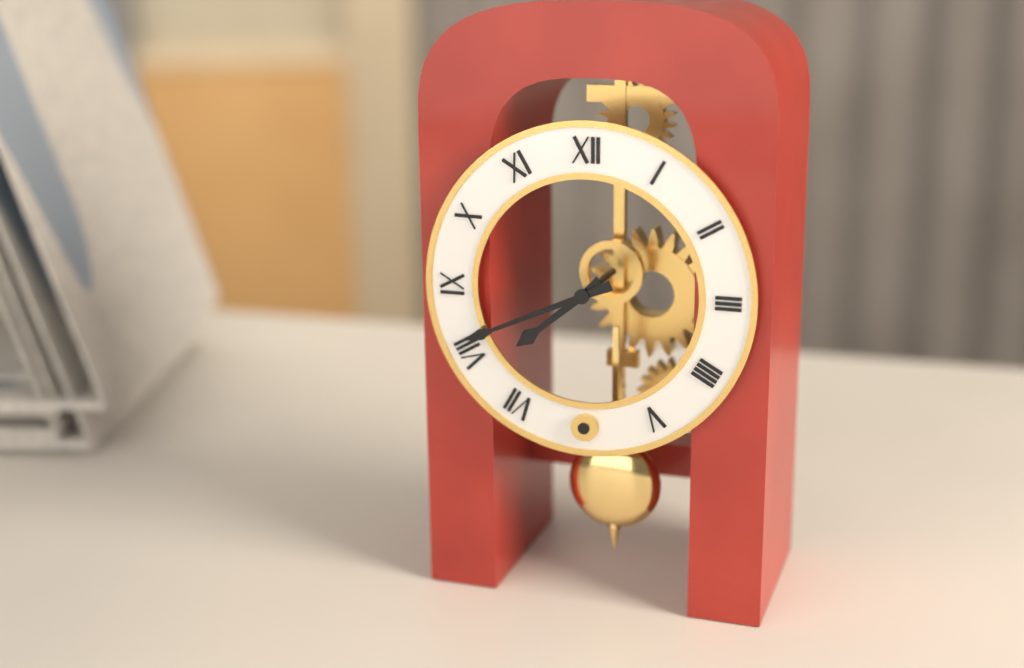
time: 7:41
